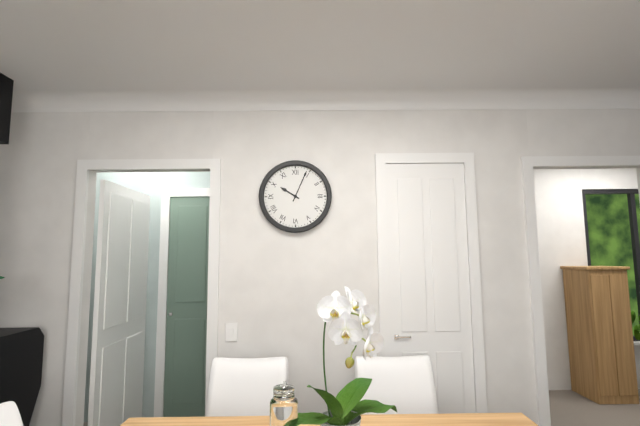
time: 10:04
